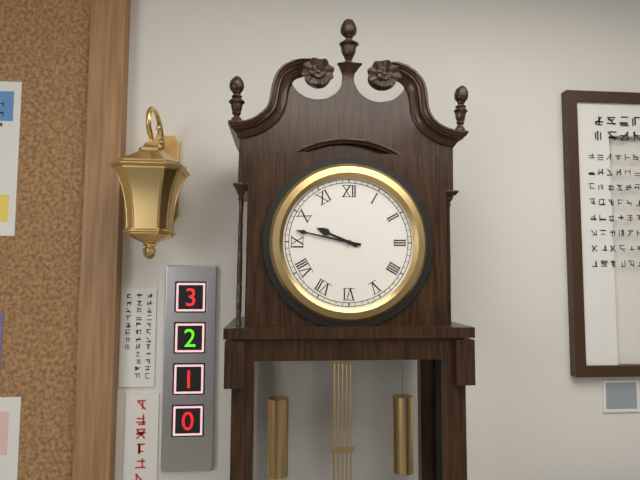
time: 9:47
